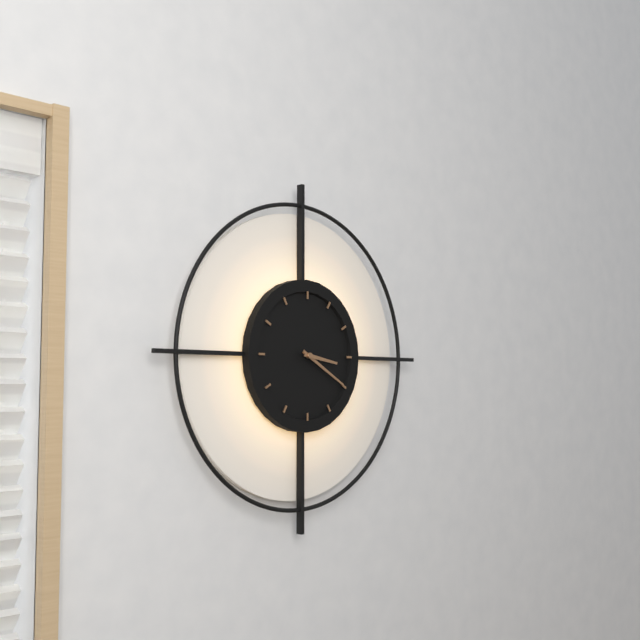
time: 3:20
